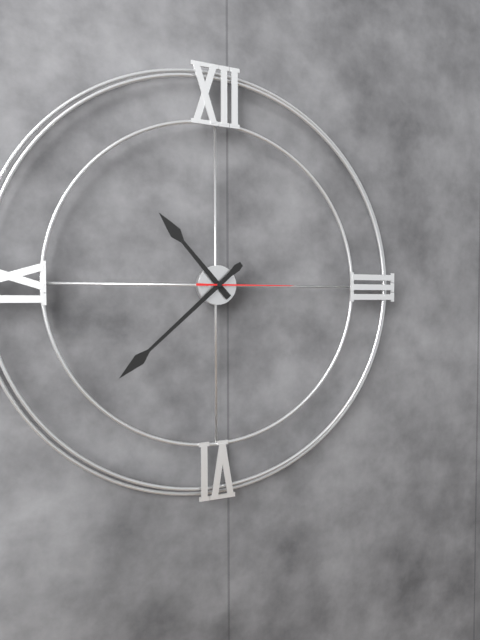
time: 10:38:15
